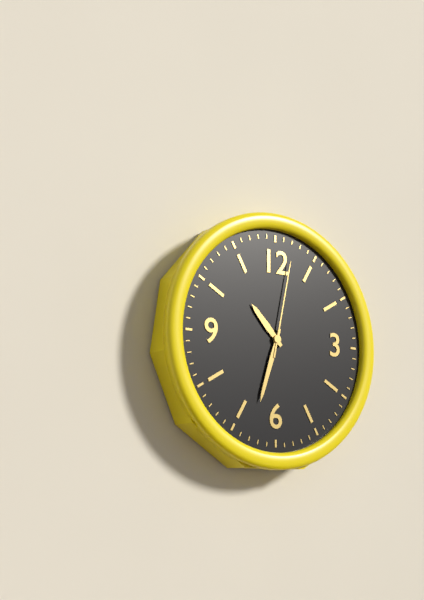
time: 10:33:02
